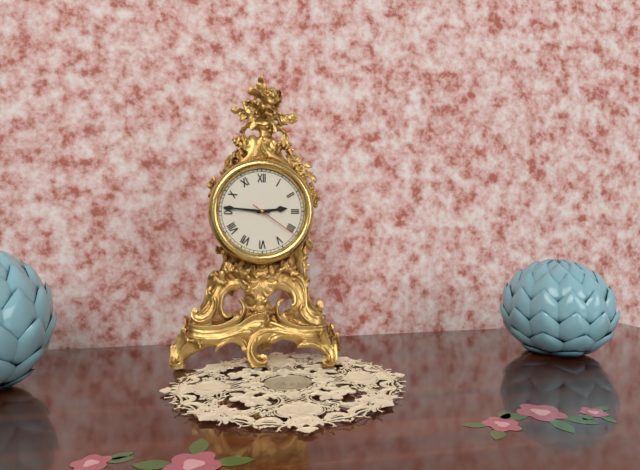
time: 2:46:21
